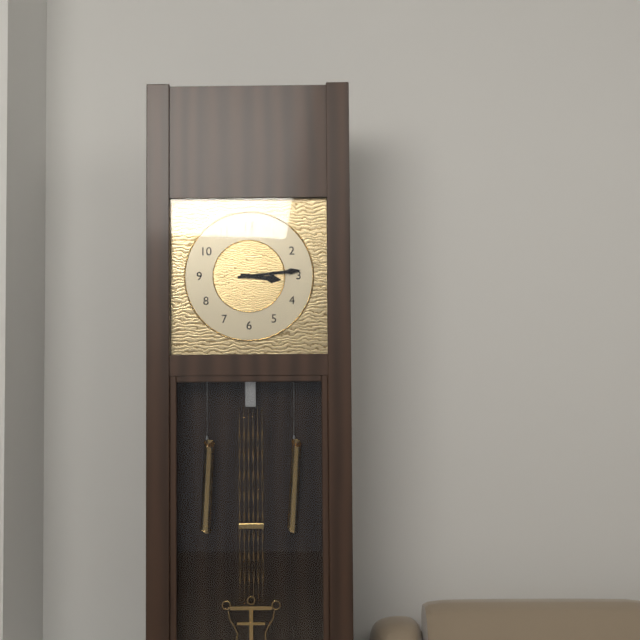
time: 3:14
